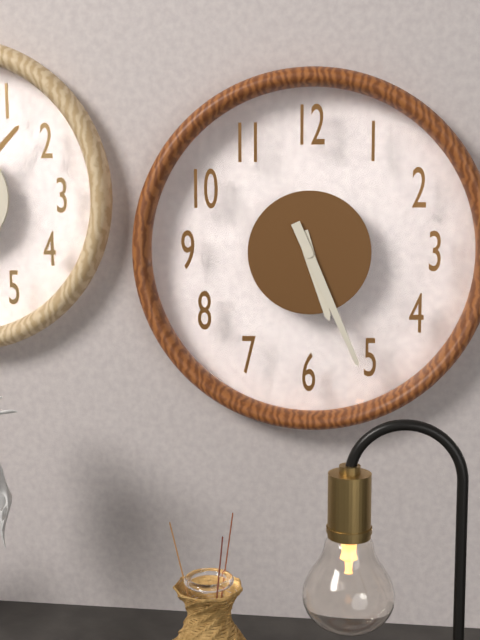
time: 5:26
